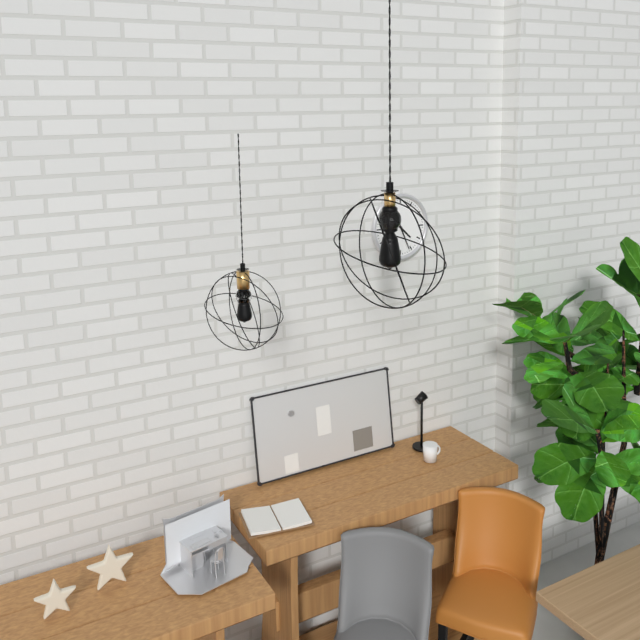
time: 4:26
